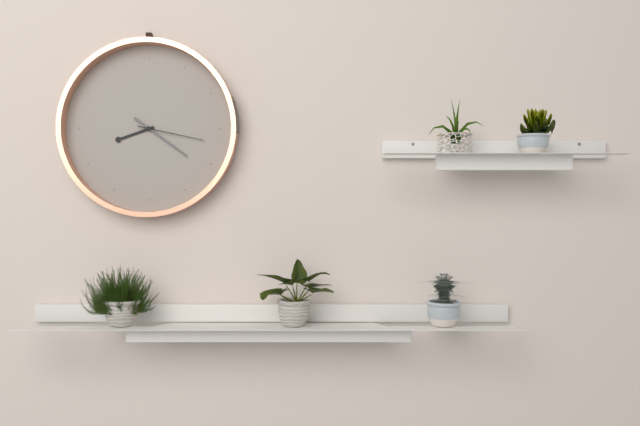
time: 8:21:17
